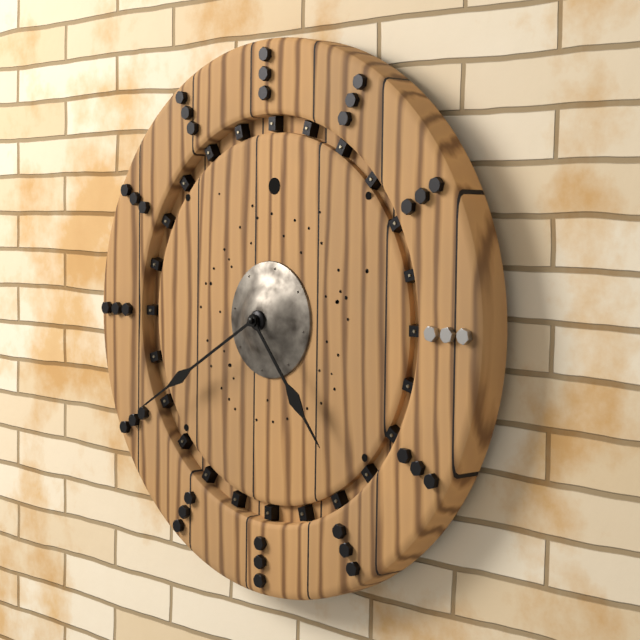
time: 4:40
